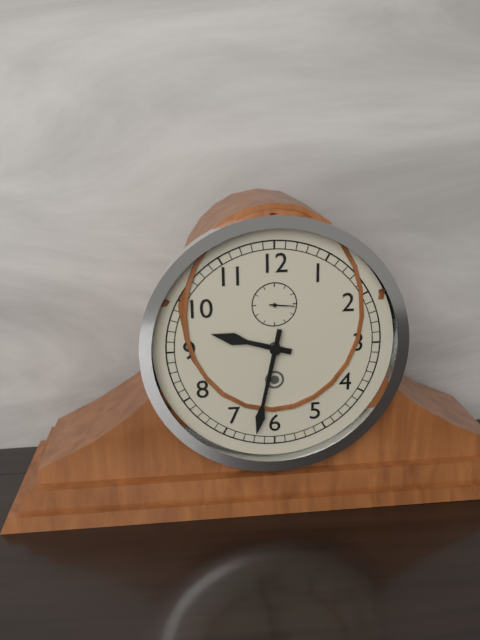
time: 9:32
